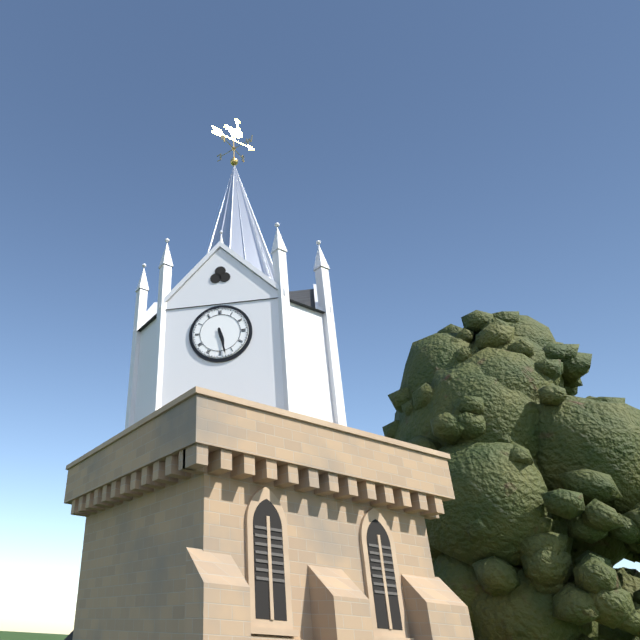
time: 5:28
